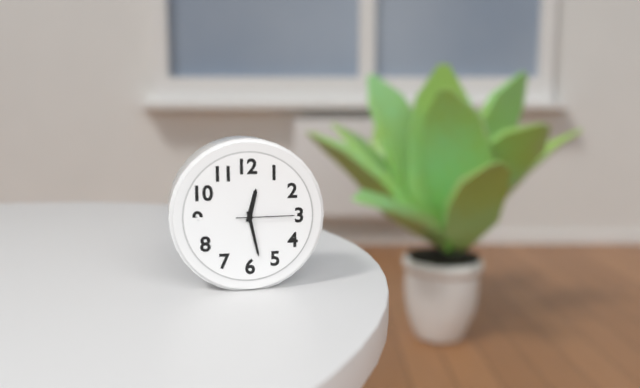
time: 12:28:15
